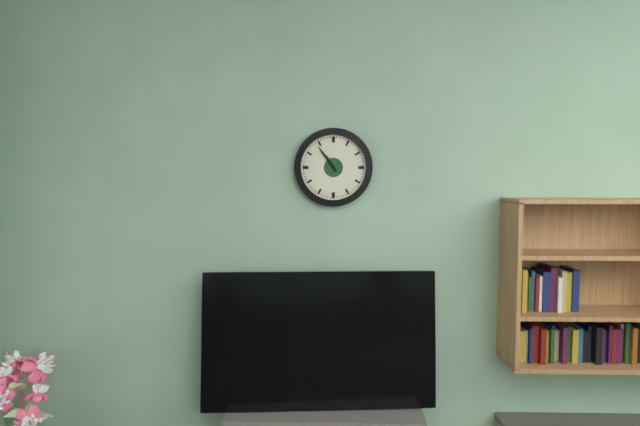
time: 10:54
